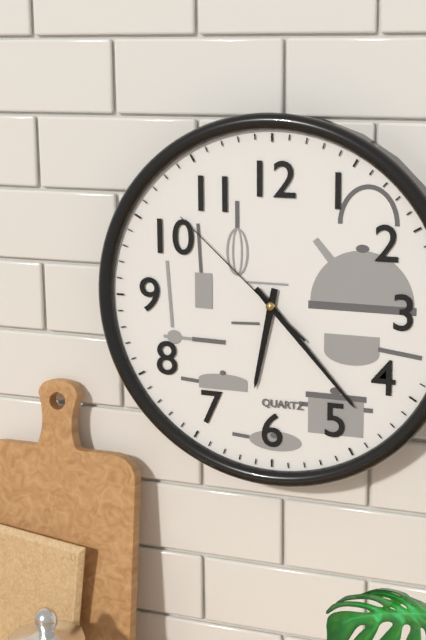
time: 6:23:52
